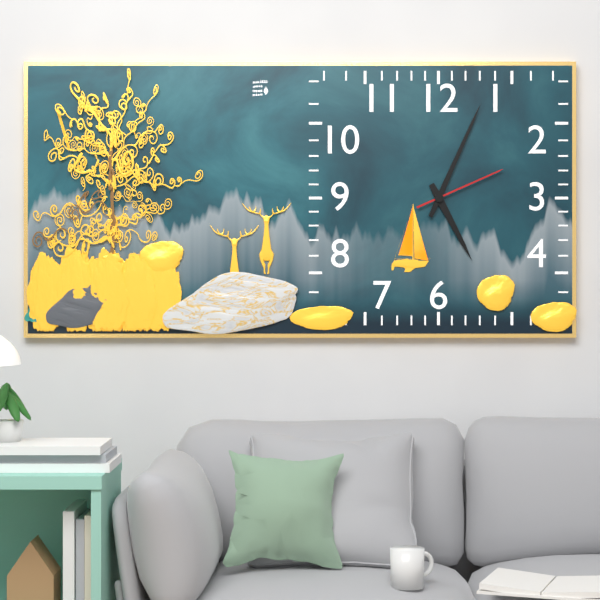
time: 5:04:11
